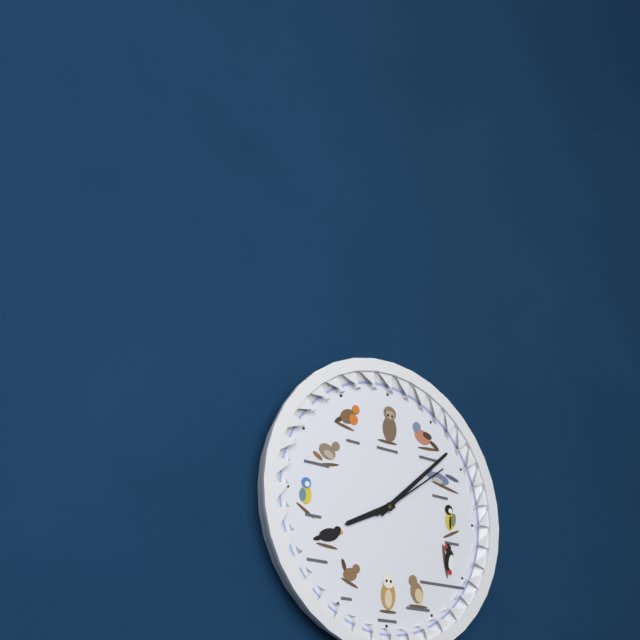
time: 8:08:09
